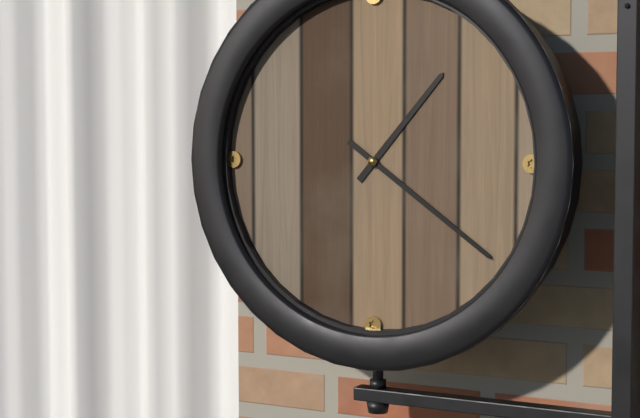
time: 1:21
